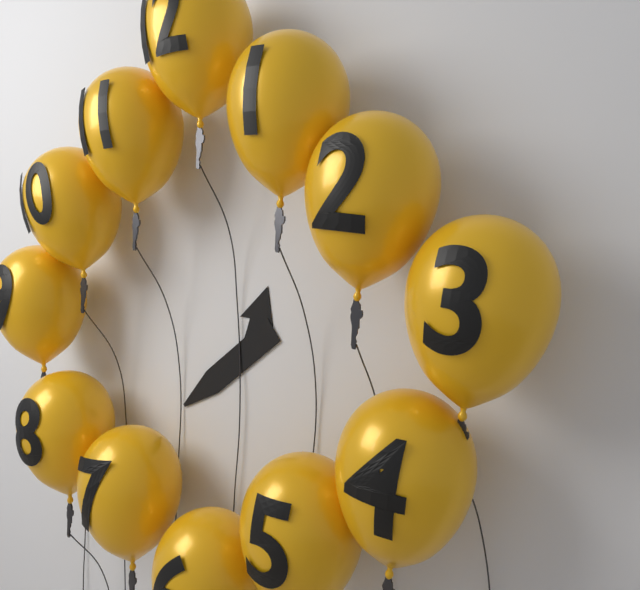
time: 12:39
